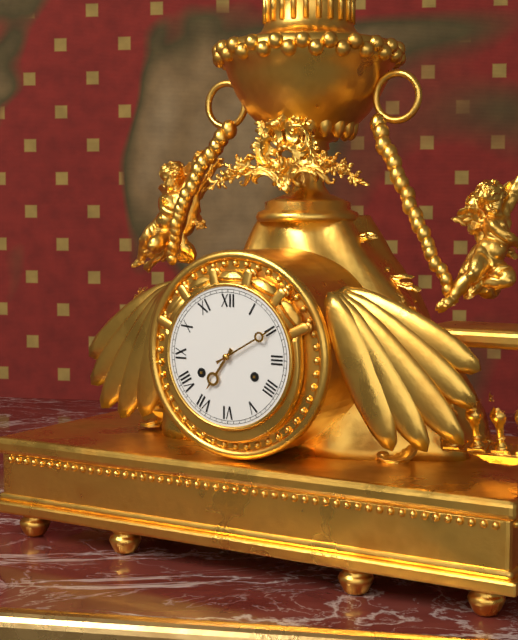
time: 7:10
